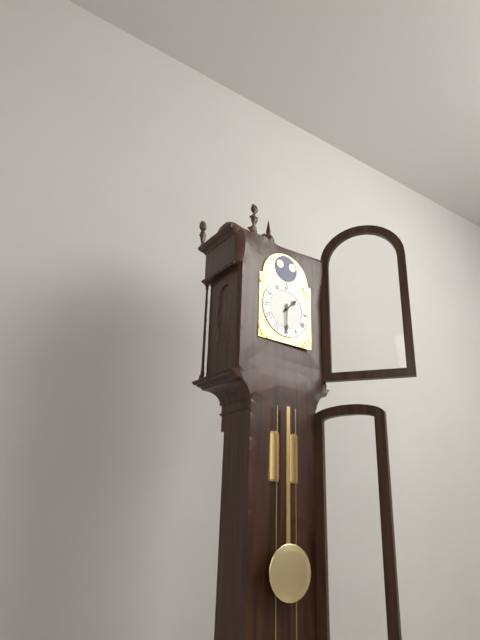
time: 1:30
